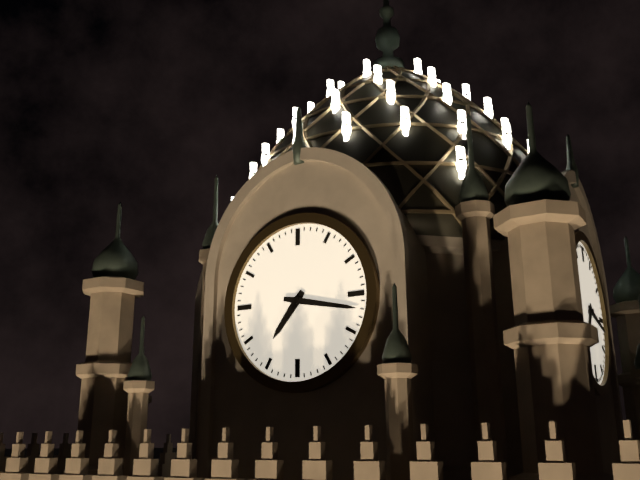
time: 7:17
